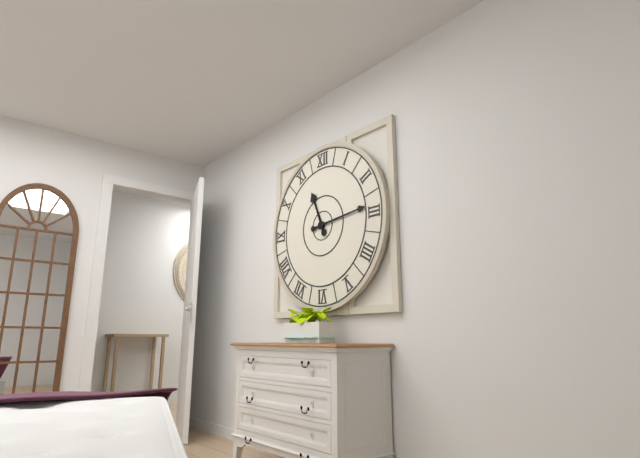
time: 11:14
